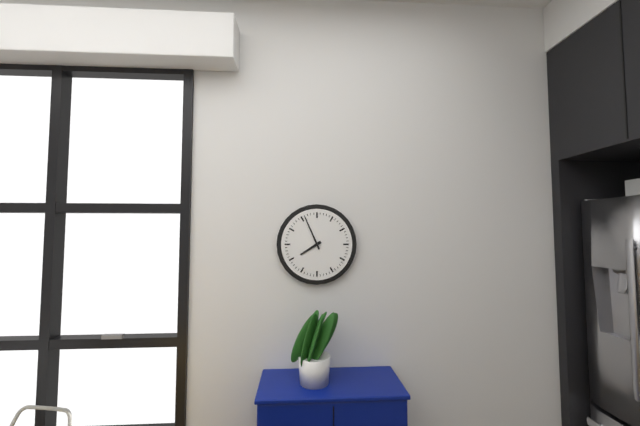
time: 7:56
